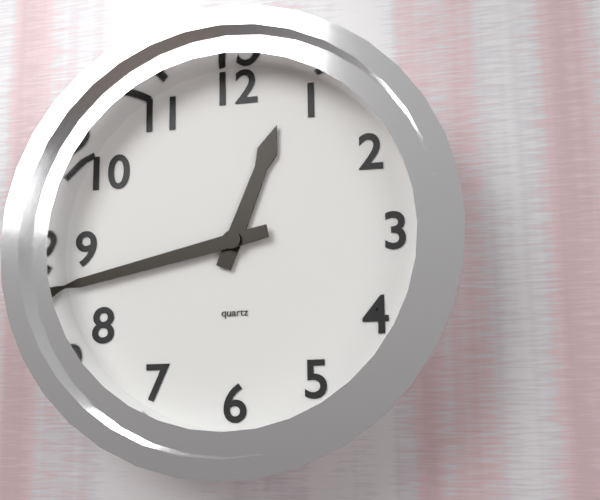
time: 12:43
